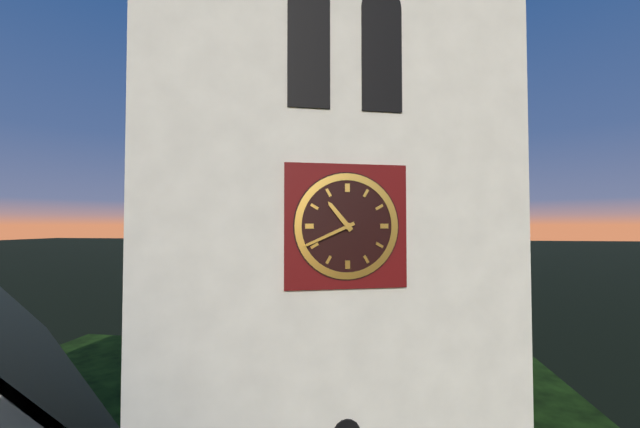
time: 10:41
